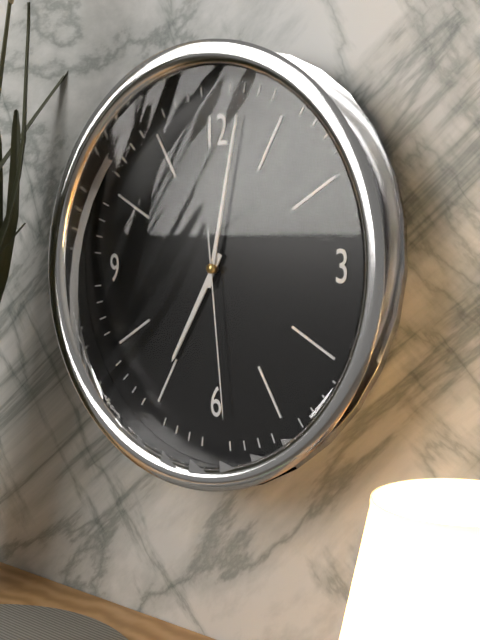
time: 7:02:29
